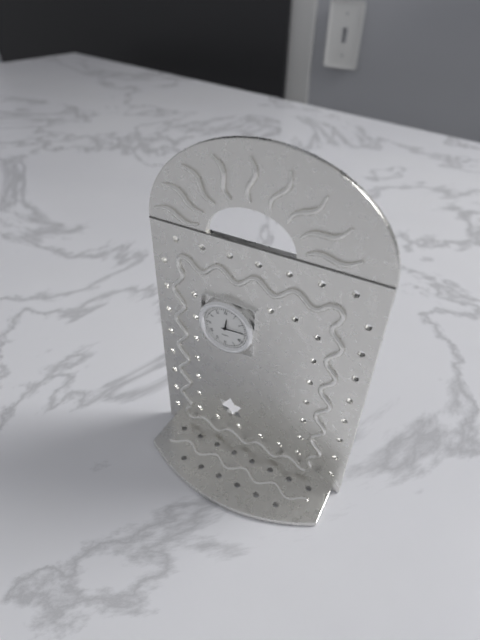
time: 12:14
